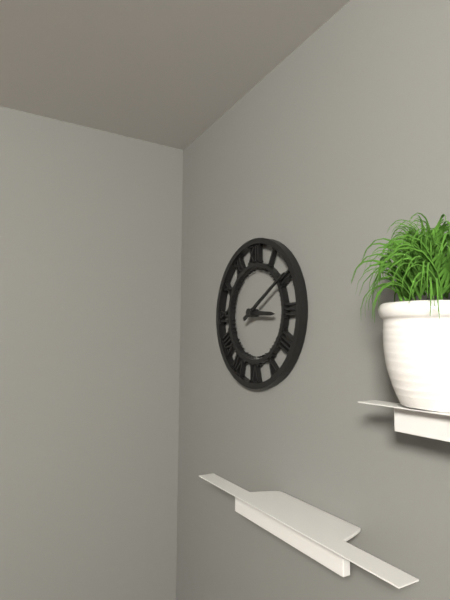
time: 3:10
